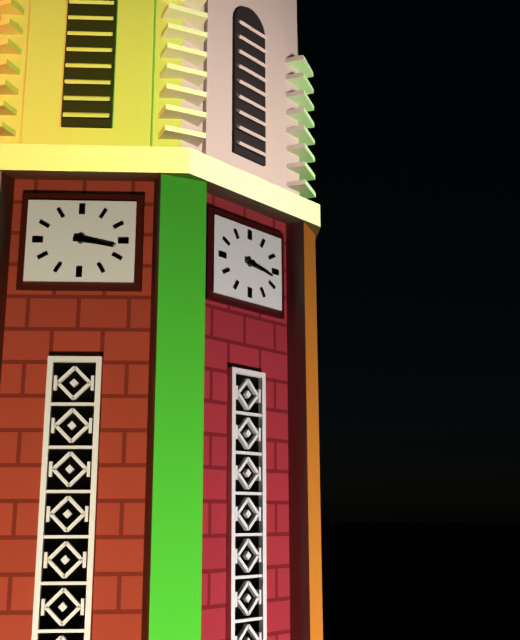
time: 3:17
